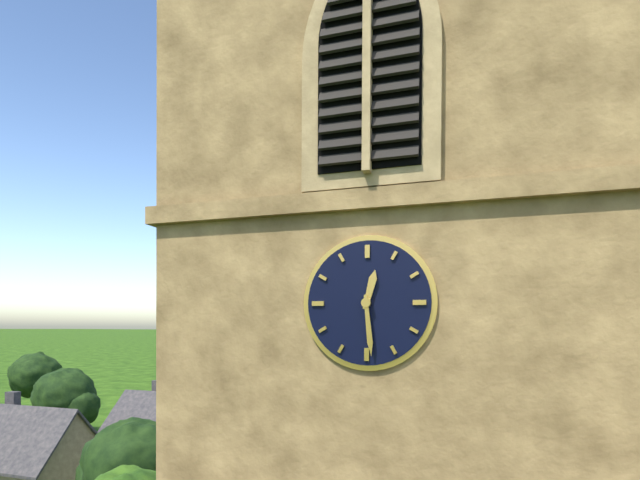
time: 12:29
